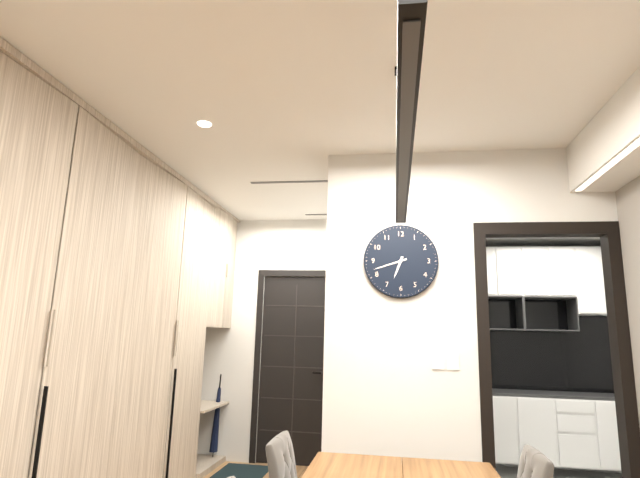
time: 6:42
